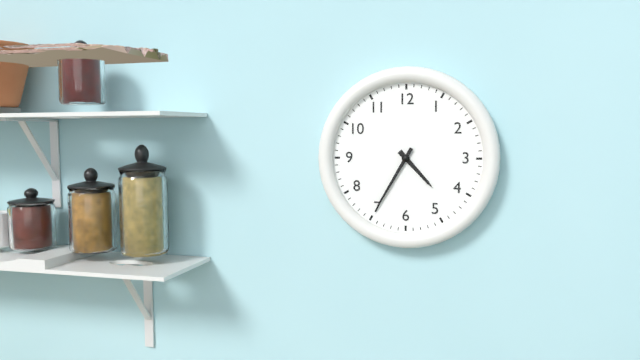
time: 4:35
